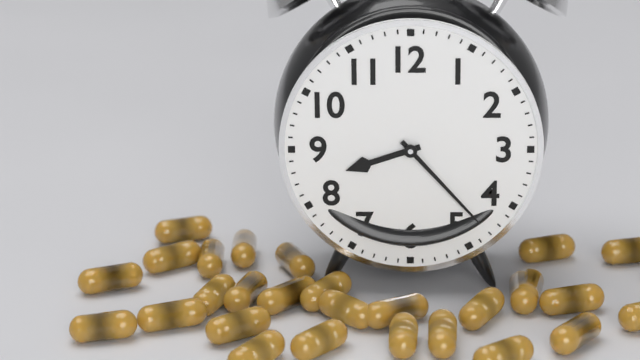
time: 8:23
